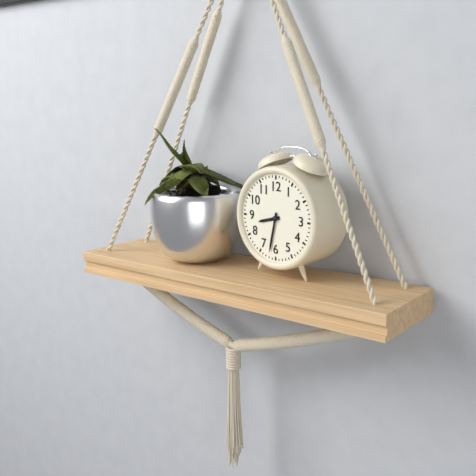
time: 8:32
